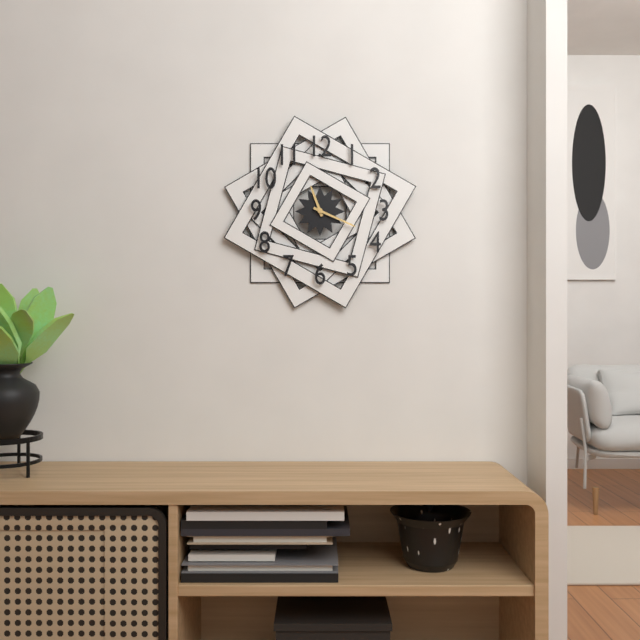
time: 11:19
